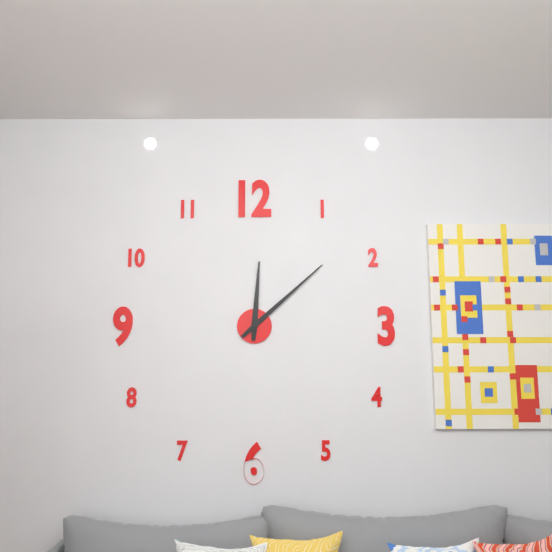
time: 12:08
